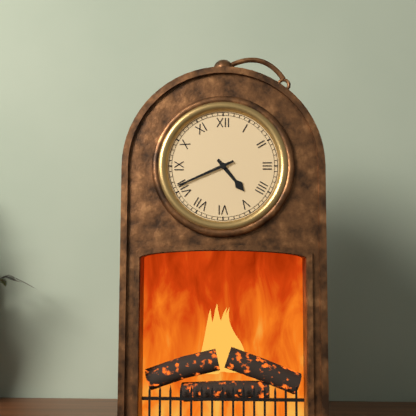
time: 4:41
